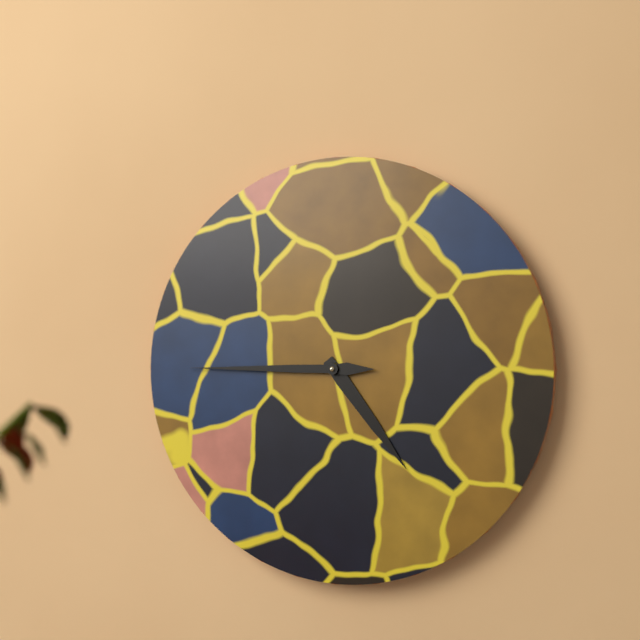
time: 4:45
